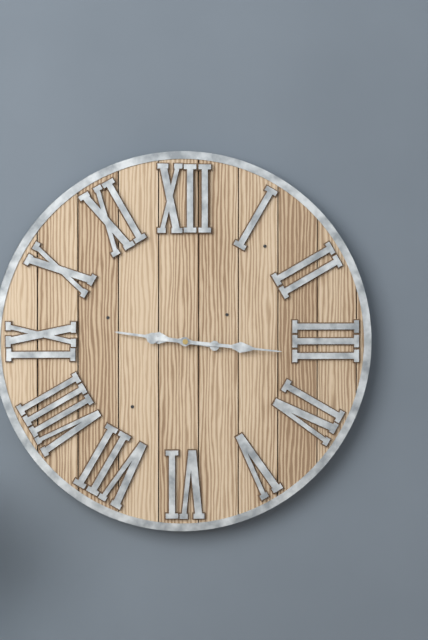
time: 9:16
